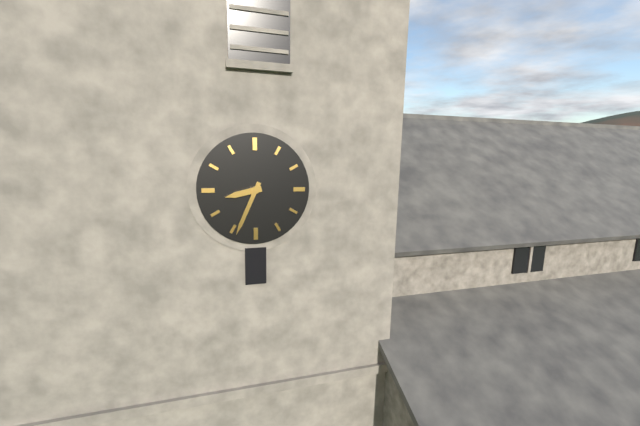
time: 8:34
